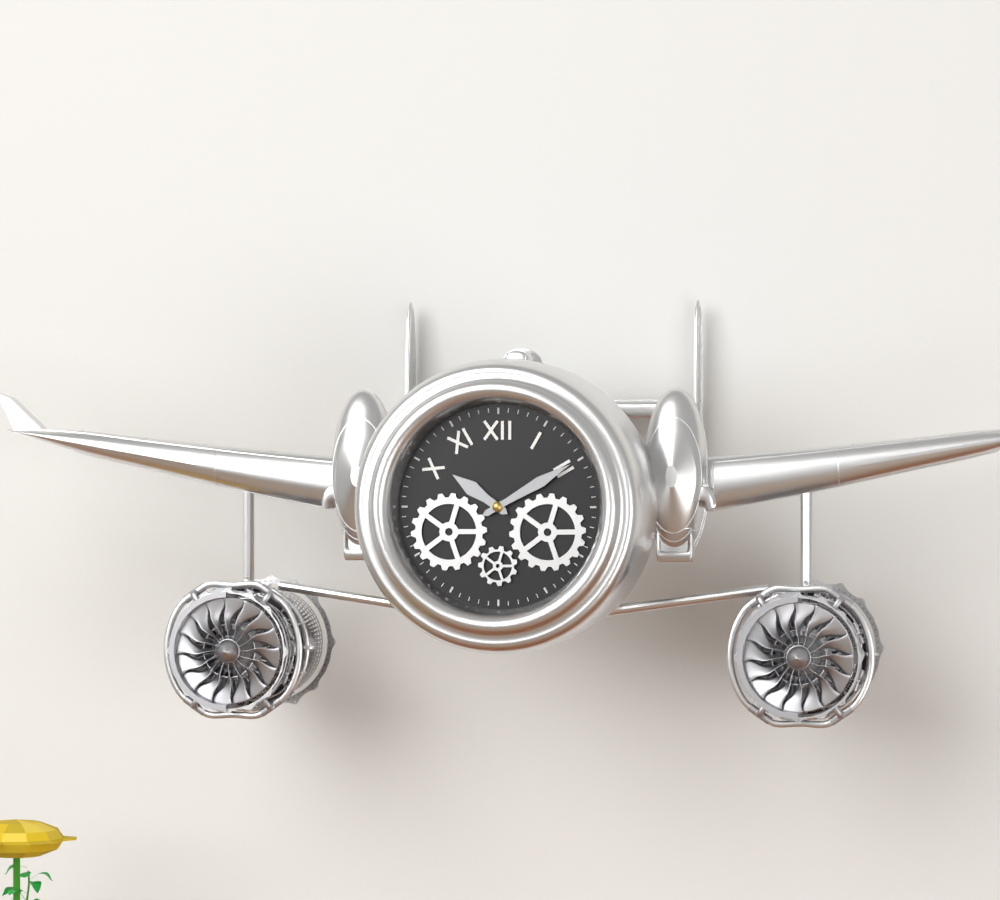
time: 10:10
